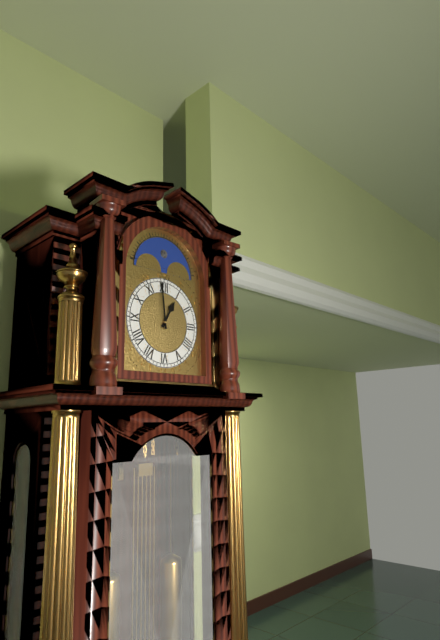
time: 12:59
